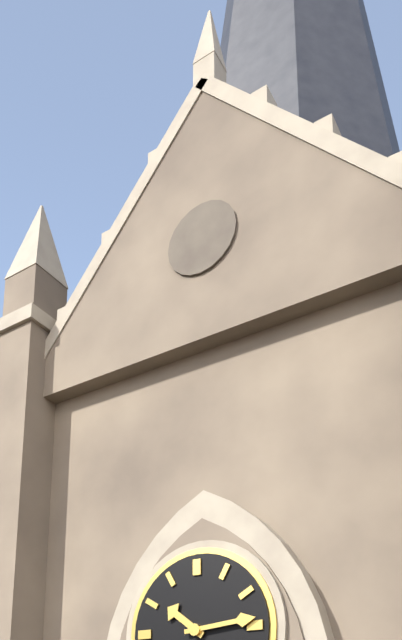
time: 10:14
